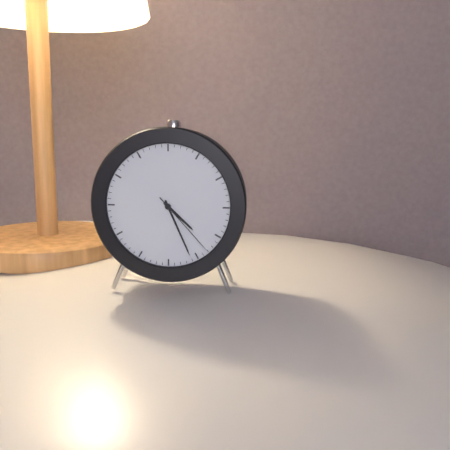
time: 4:26:23
